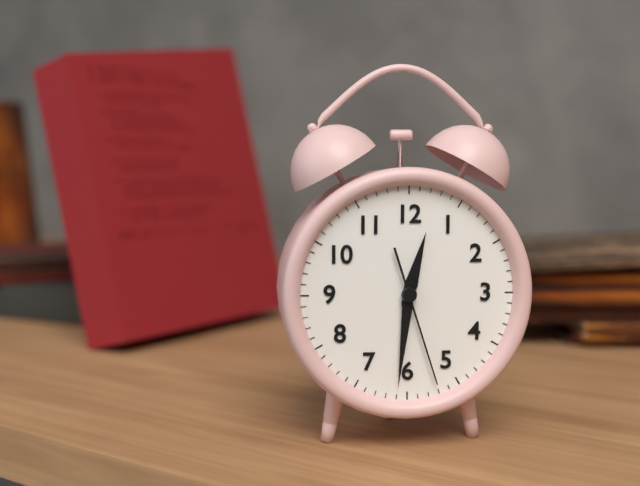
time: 12:31:27
